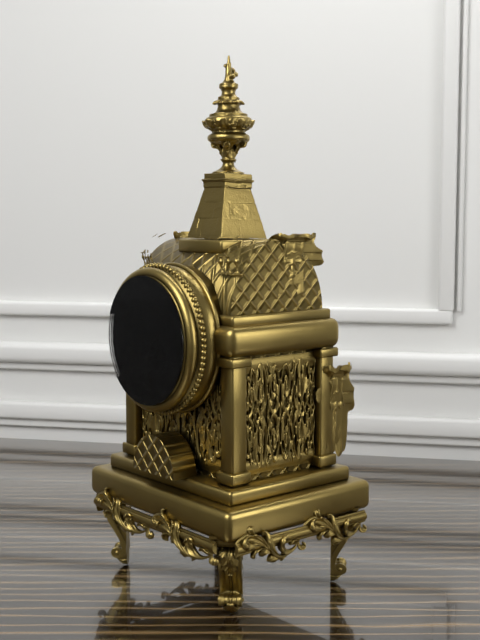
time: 11:00
